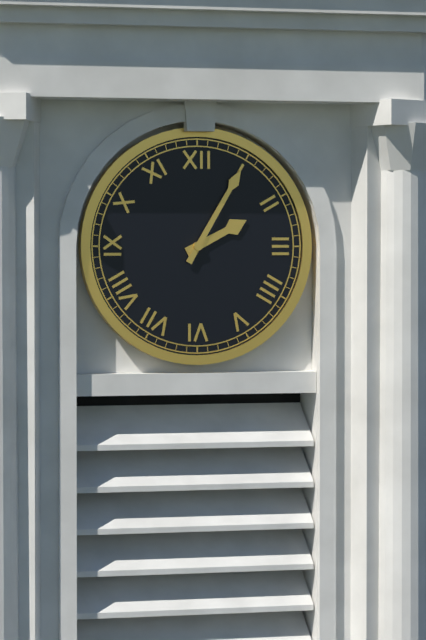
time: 2:05
